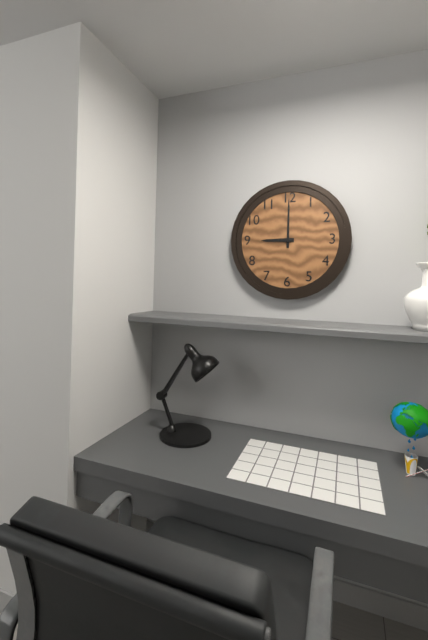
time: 9:00
